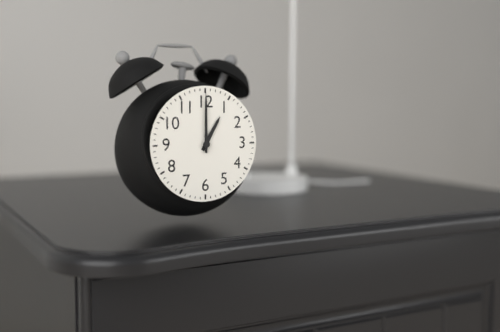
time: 1:00
